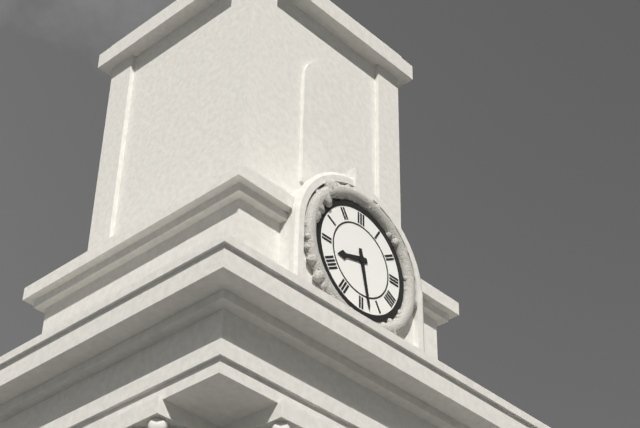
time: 8:28
